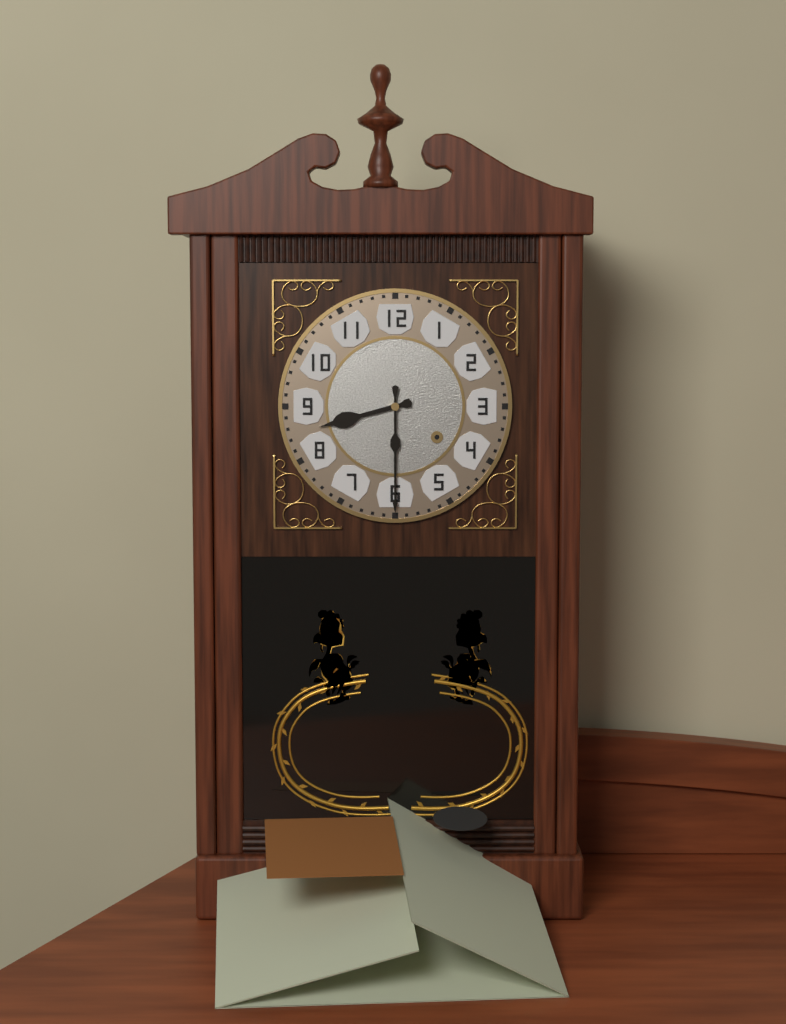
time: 8:30
